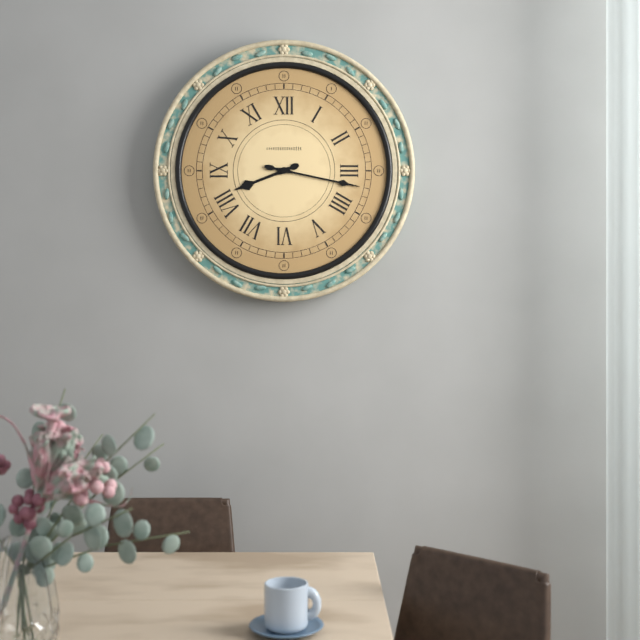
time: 8:17
